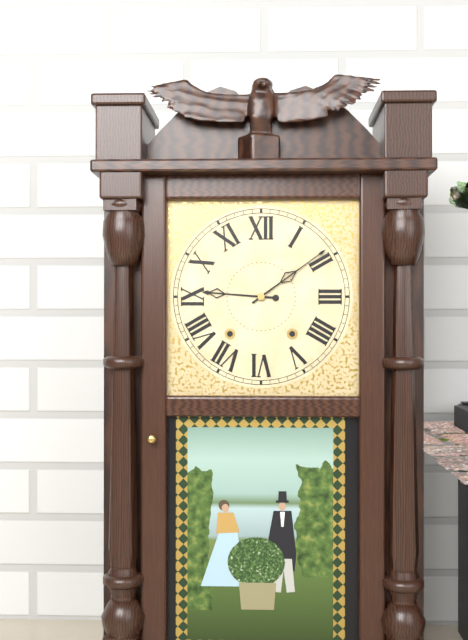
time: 9:09
